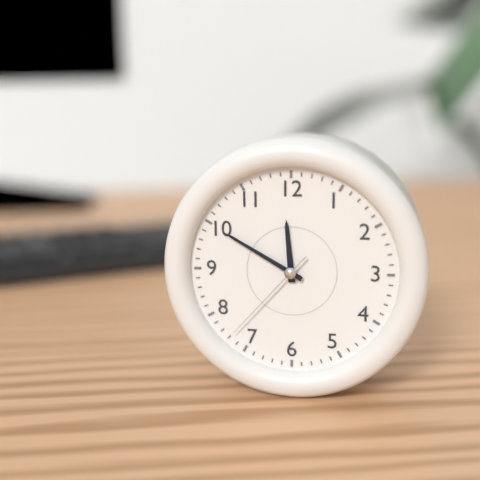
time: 11:50:37
